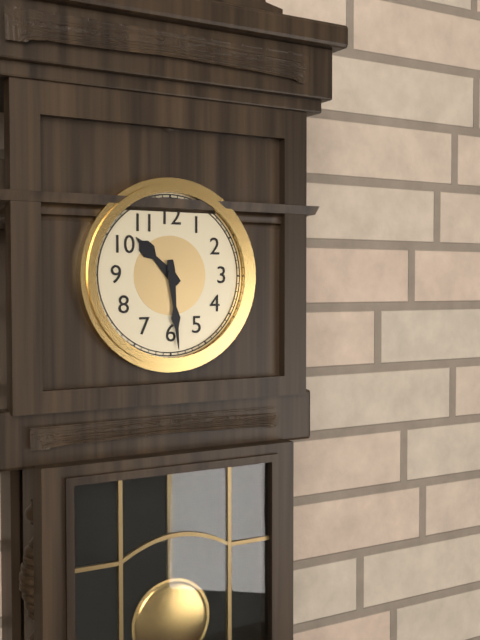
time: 10:29
